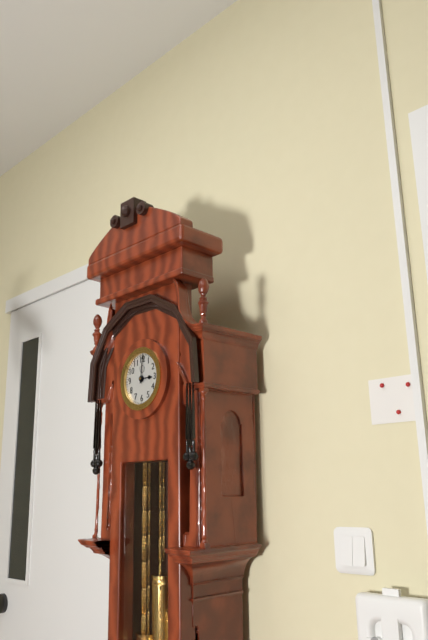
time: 3:01
